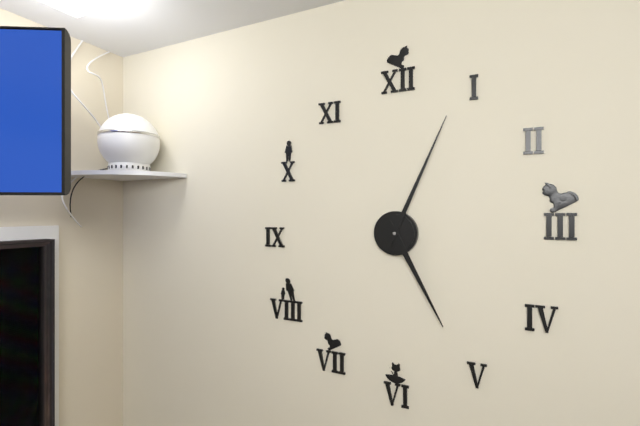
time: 5:04
